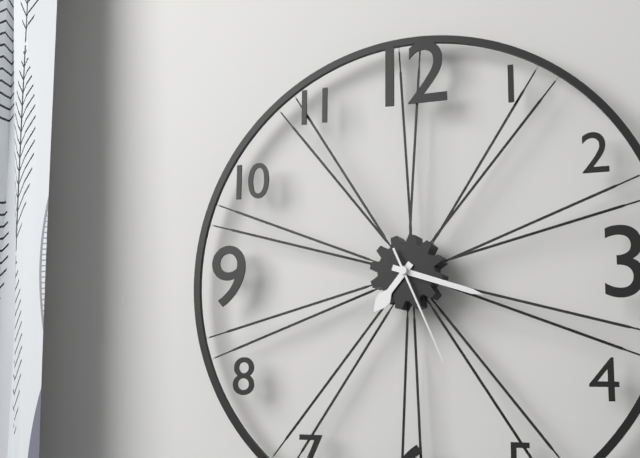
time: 7:18:26
